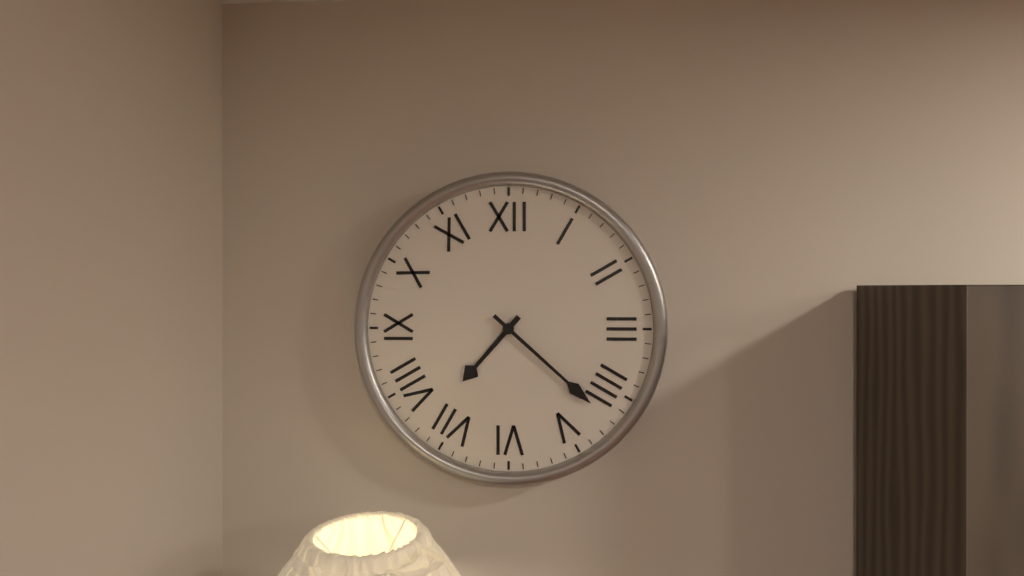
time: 7:22
